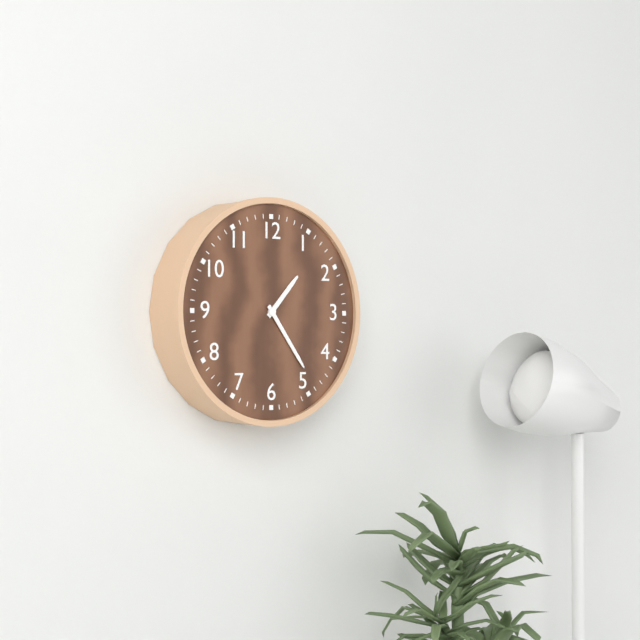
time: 1:24
